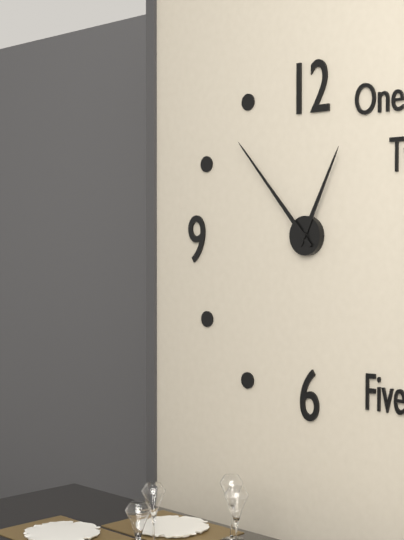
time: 12:53
